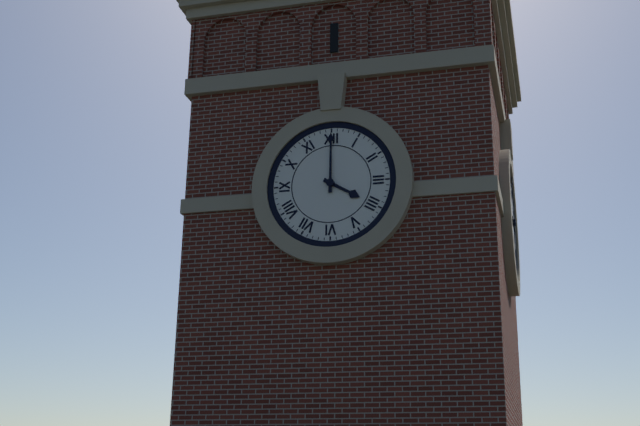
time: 4:00
